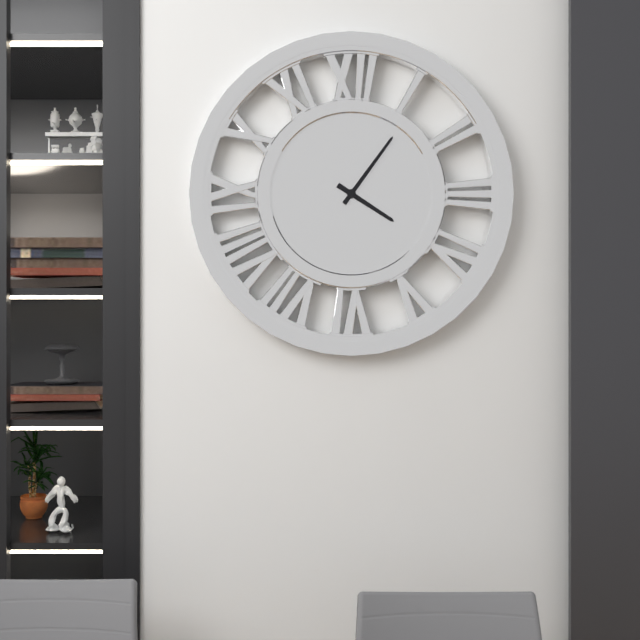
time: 4:06
